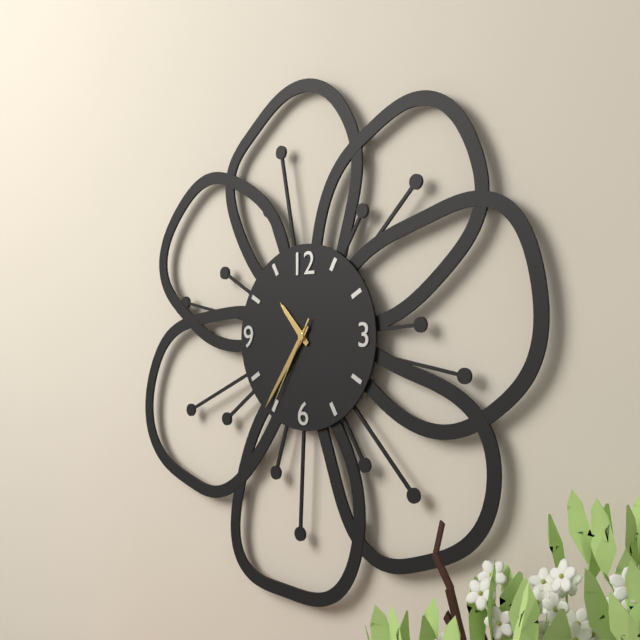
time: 10:36:35
